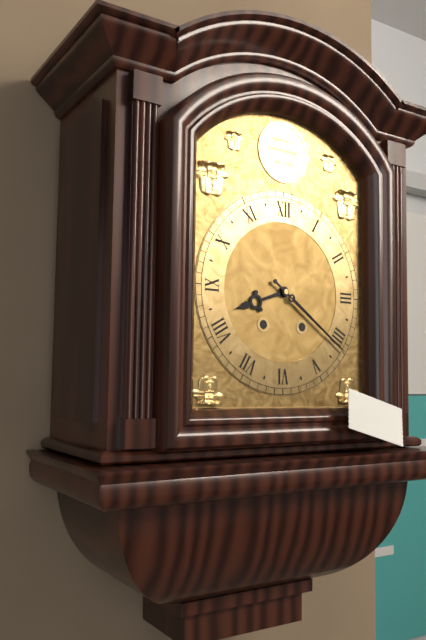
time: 8:21
